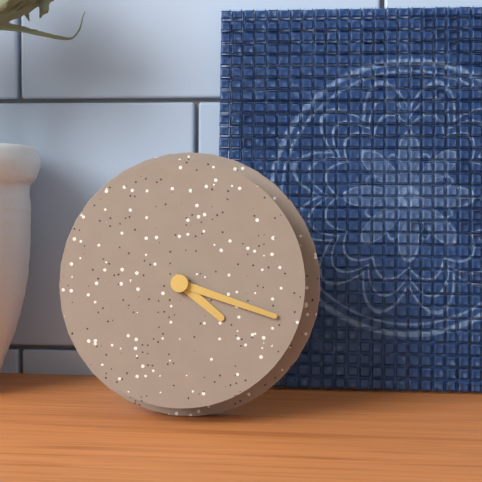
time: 4:18
